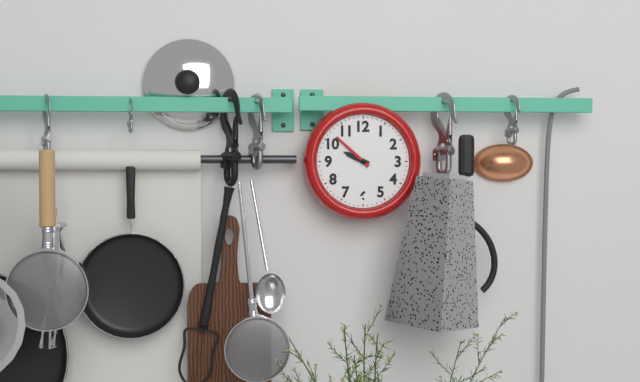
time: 9:52
